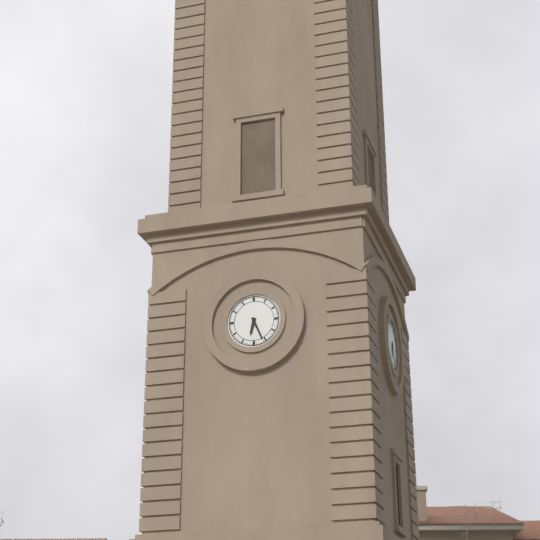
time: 6:26
